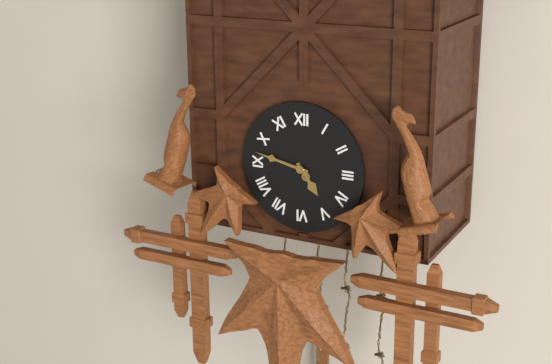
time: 4:47
